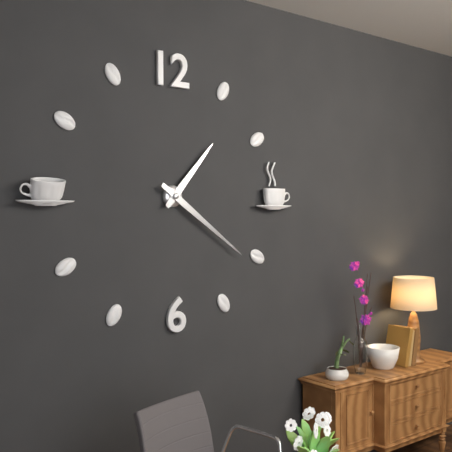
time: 1:21
